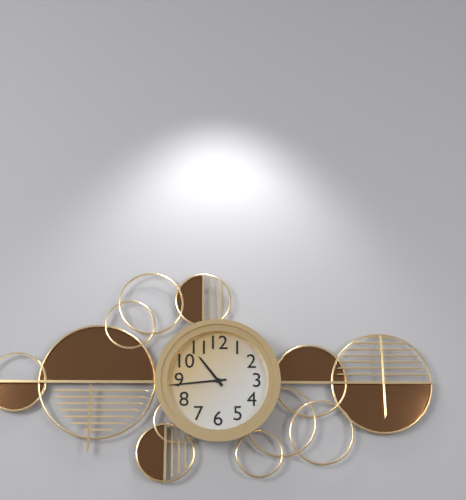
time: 10:44
